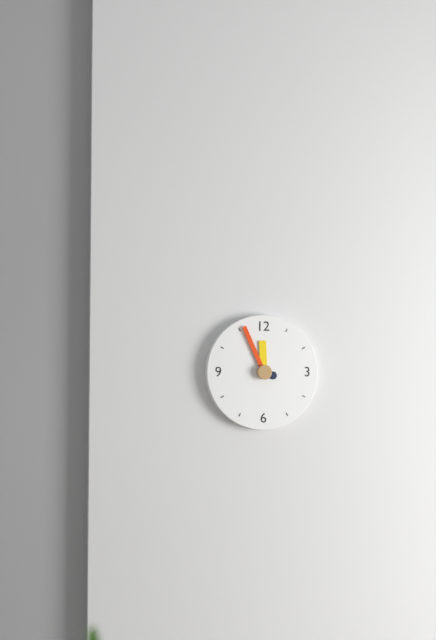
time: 11:56
